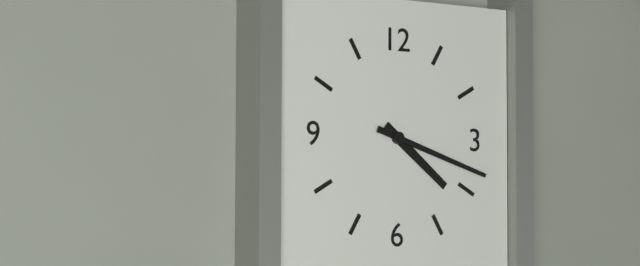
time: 4:18
